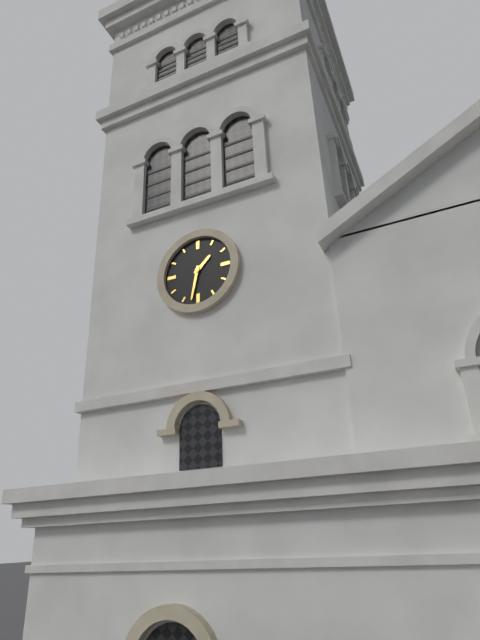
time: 1:32
